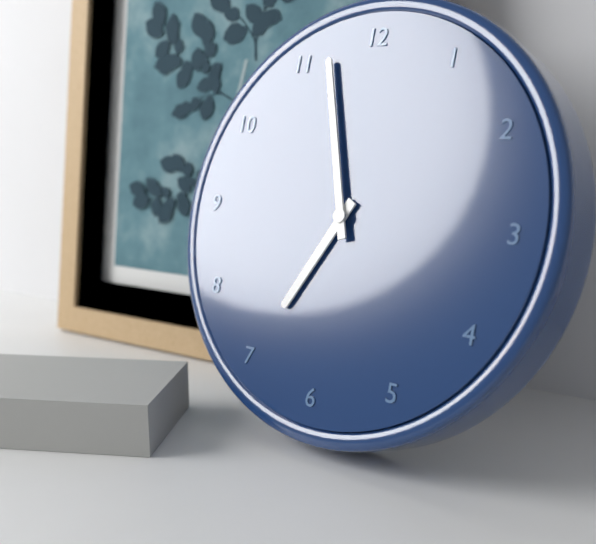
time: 6:57
